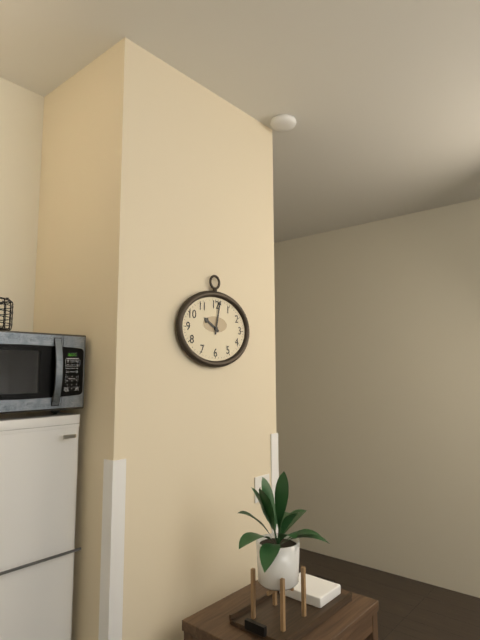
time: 10:02
